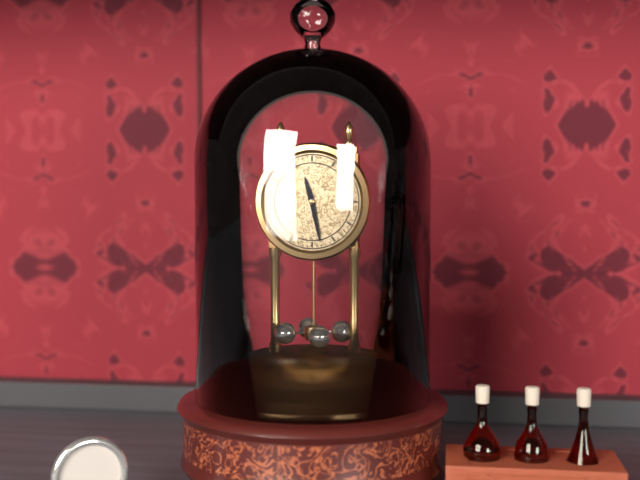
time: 11:28
